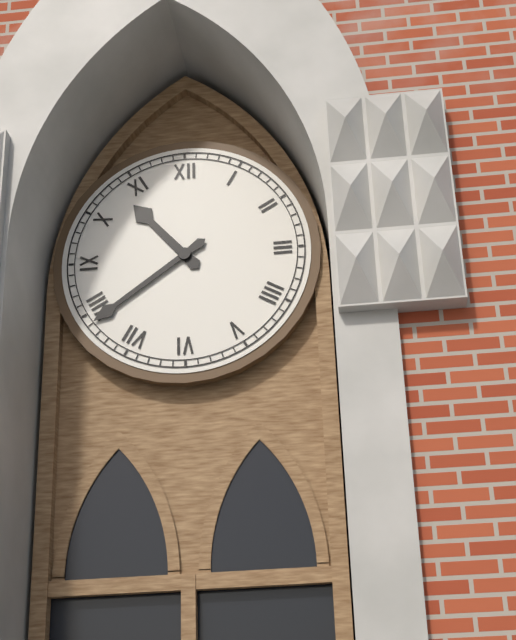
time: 10:39
